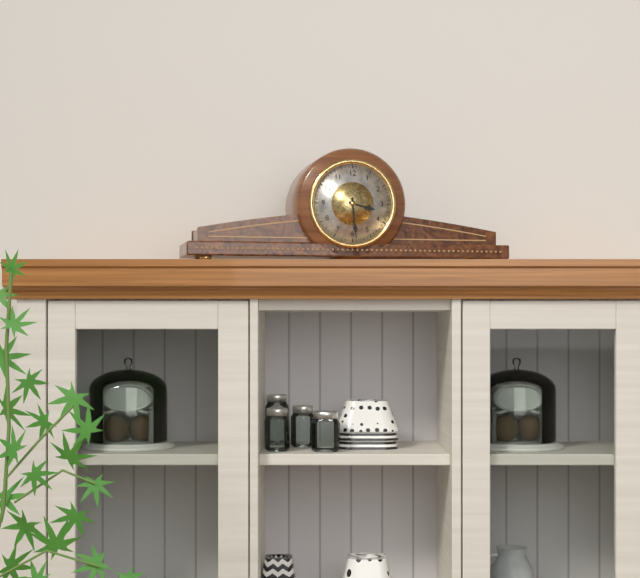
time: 3:29
